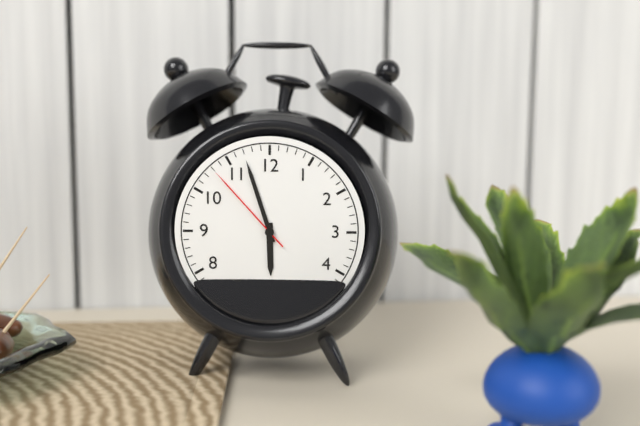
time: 5:57:53
